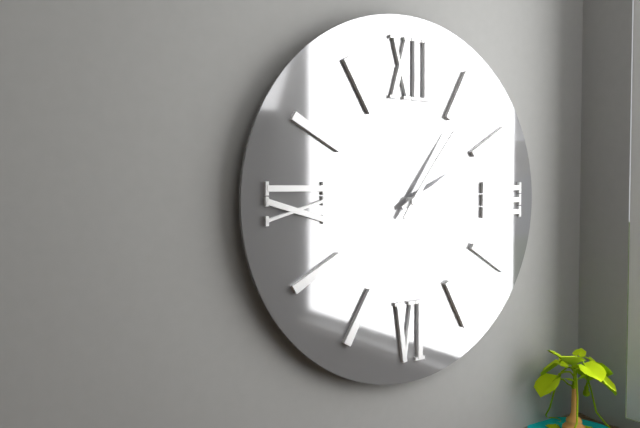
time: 2:06
